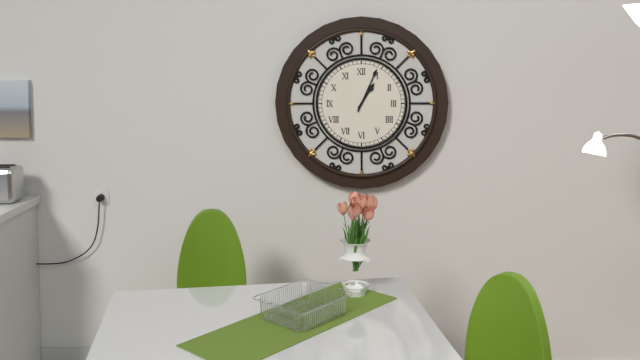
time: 1:04
